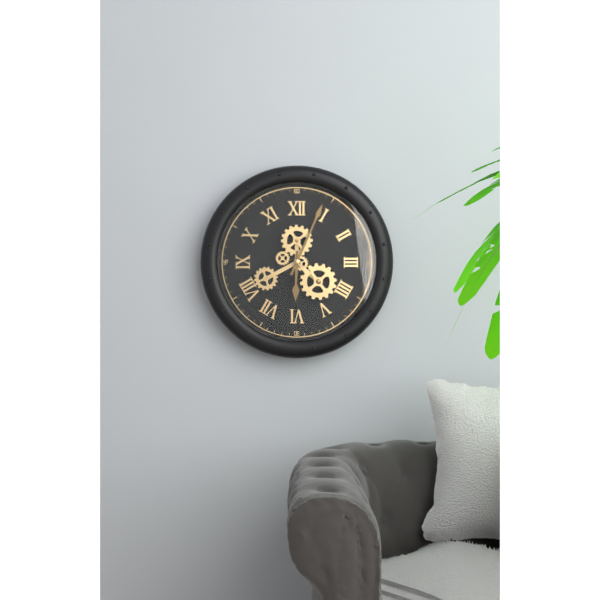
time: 6:04
